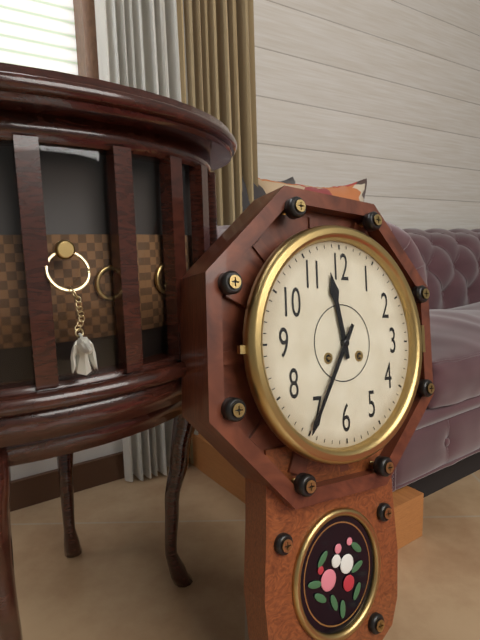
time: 11:35
